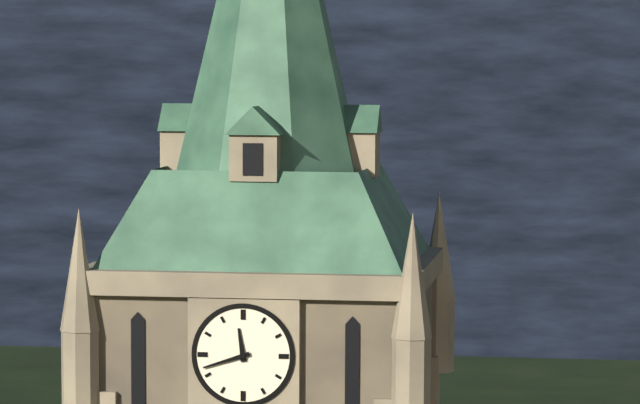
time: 11:42
